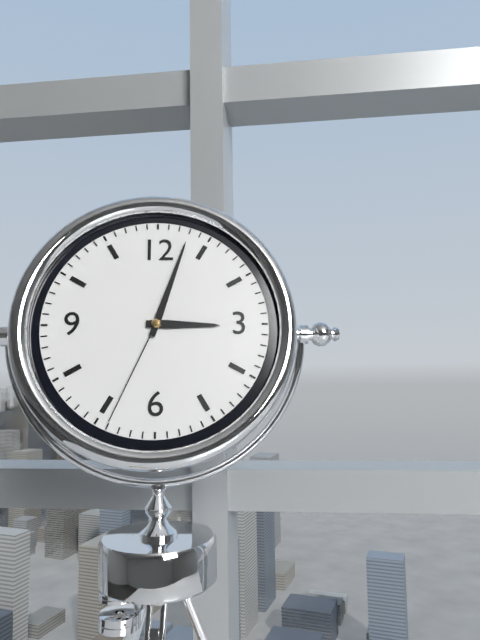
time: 3:03:34
